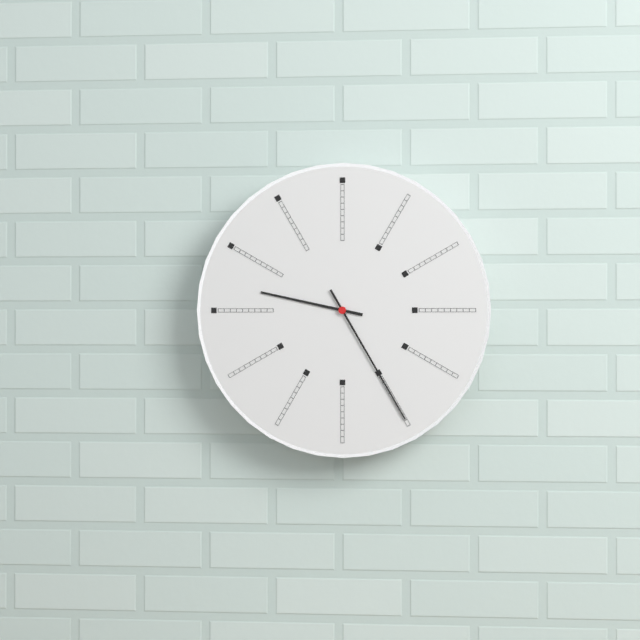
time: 9:25
